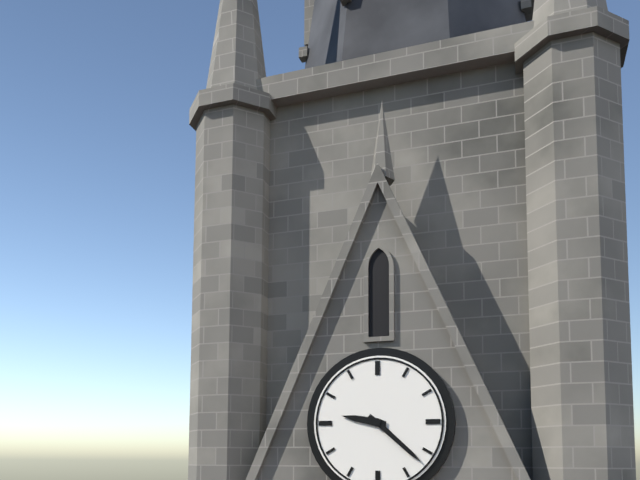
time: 9:22
